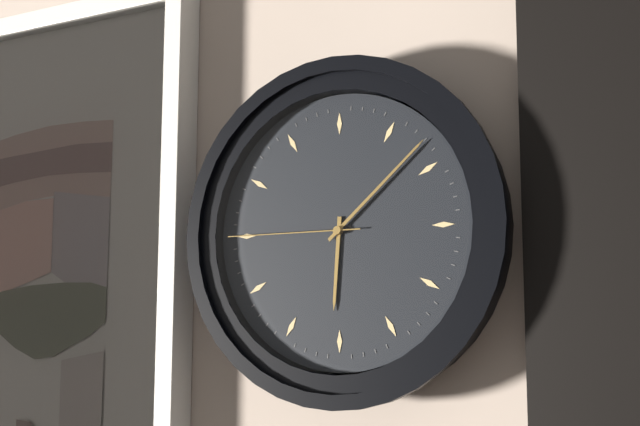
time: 6:08:45
